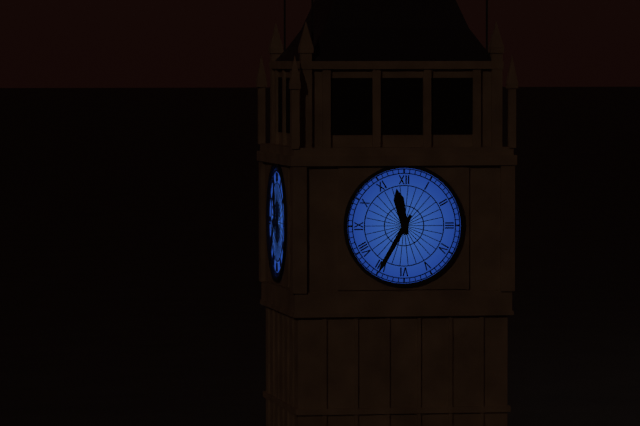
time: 11:35
